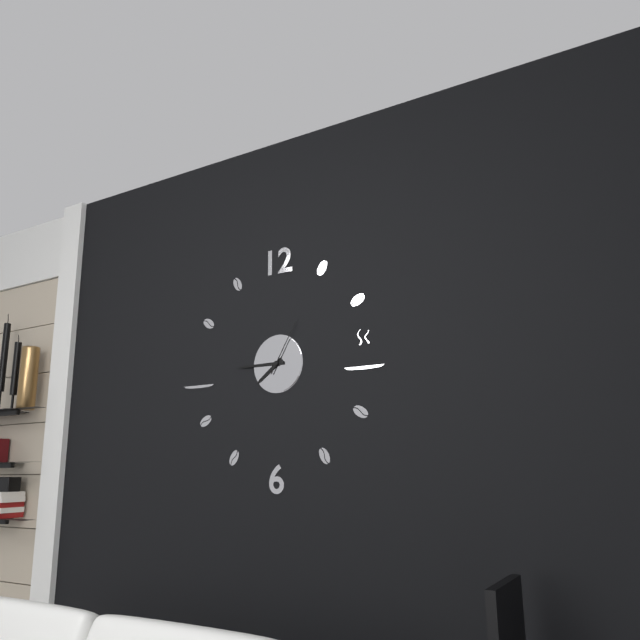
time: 7:45:05
